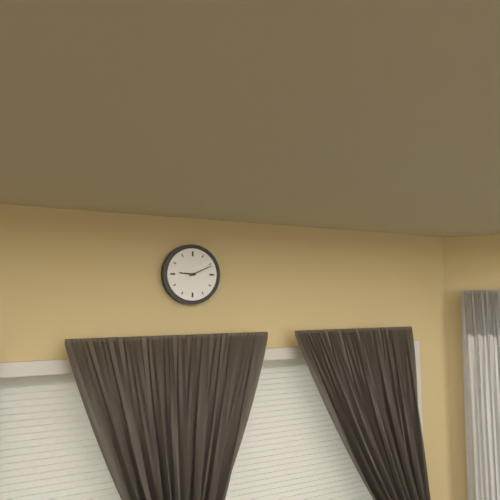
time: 9:11
